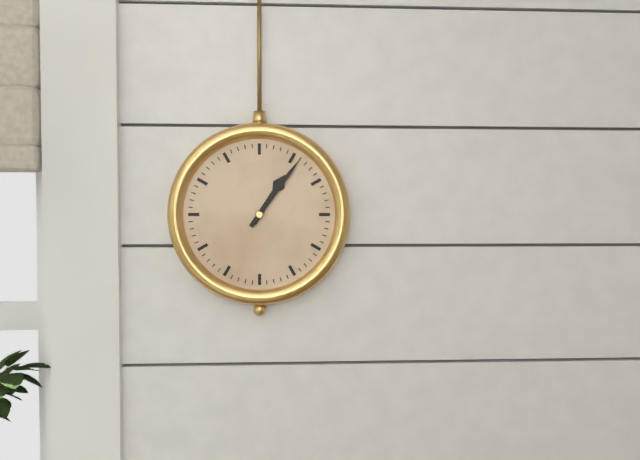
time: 1:06
